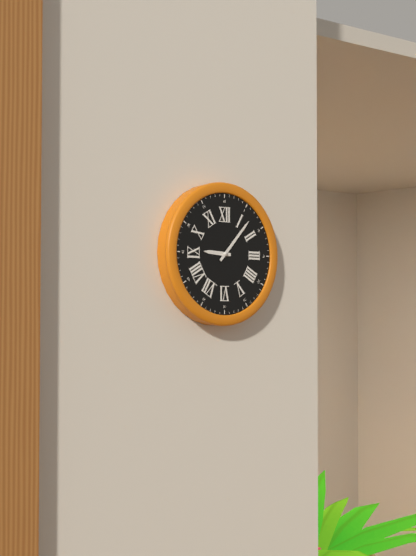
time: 9:07
